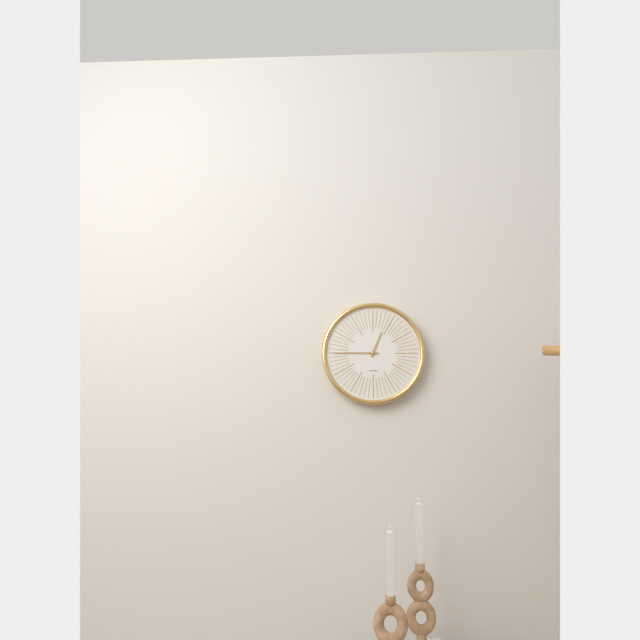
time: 12:45
